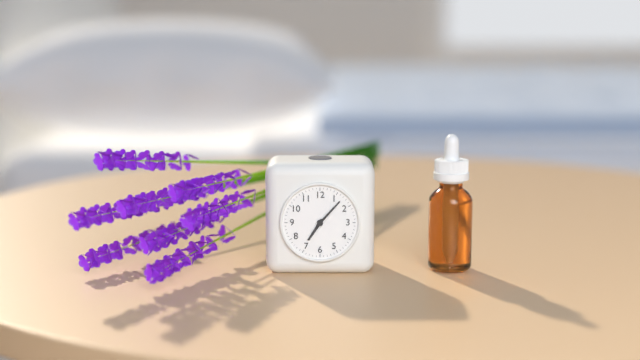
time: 7:07
